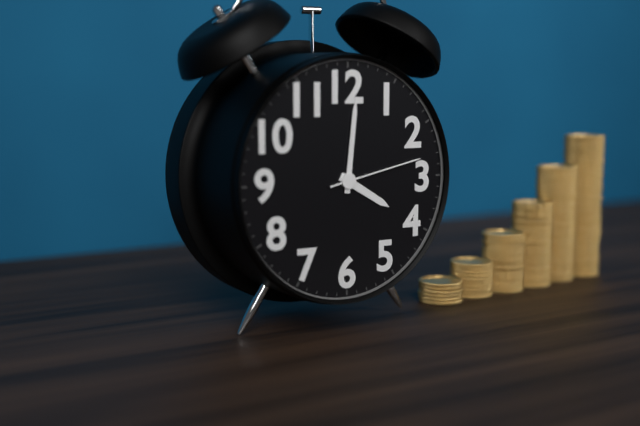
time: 4:01:13
